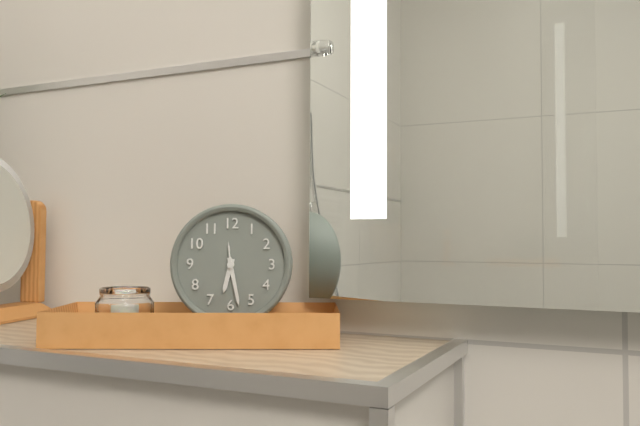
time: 6:28
